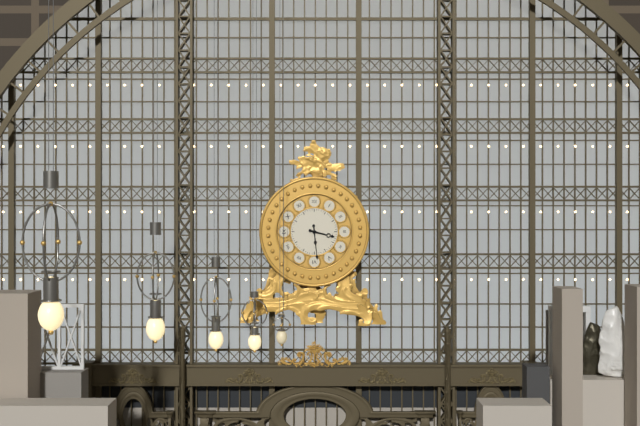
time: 3:29
